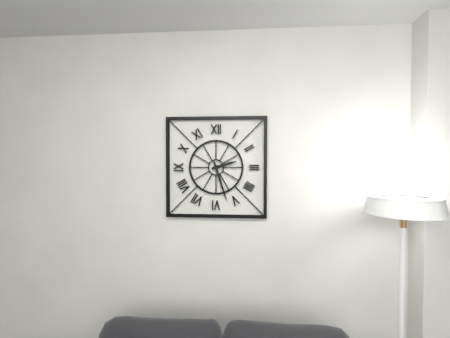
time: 2:27
